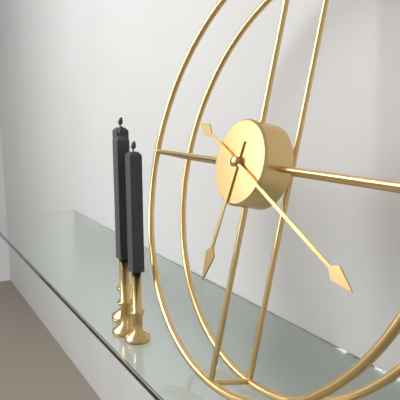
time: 6:19
